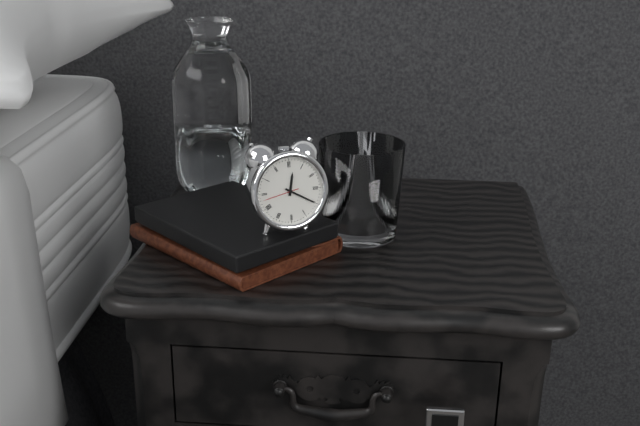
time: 12:20
